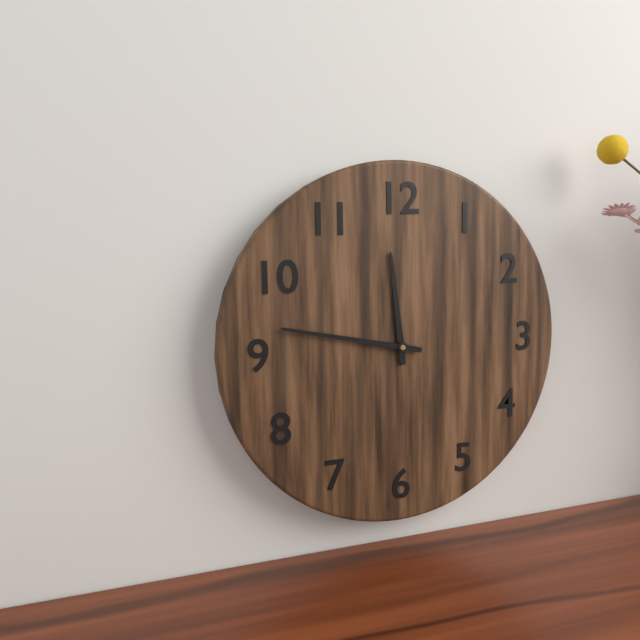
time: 11:47
